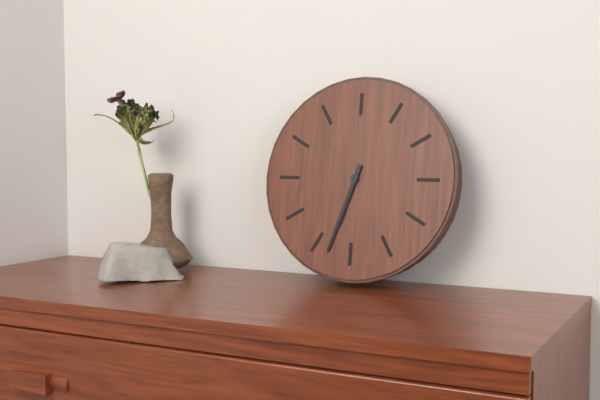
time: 6:33
